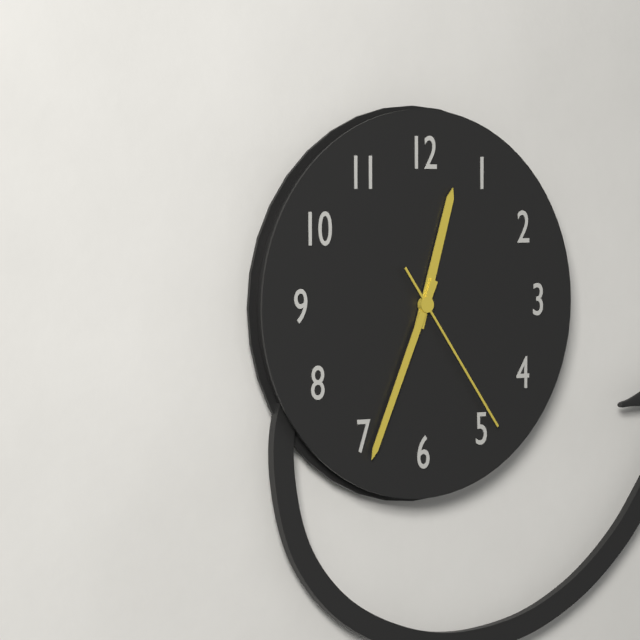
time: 12:34:24
